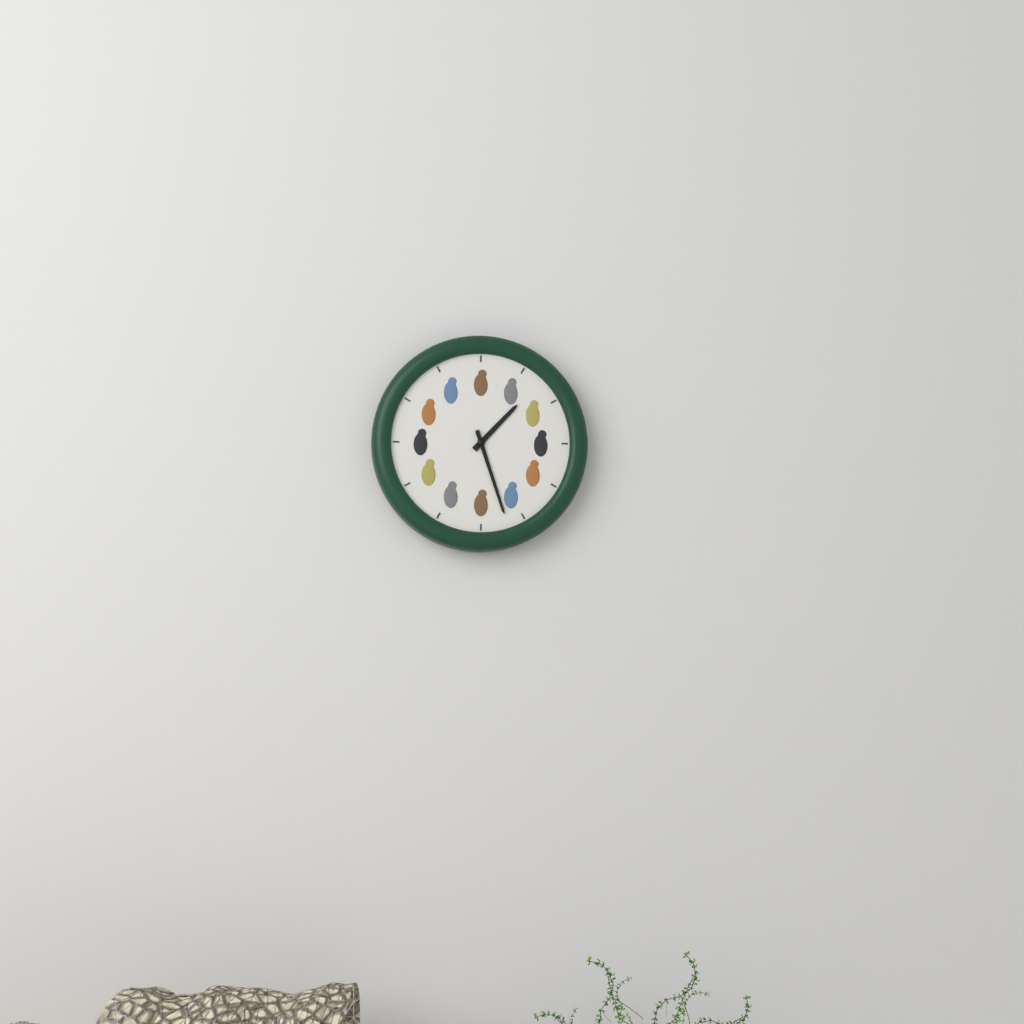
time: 1:27
